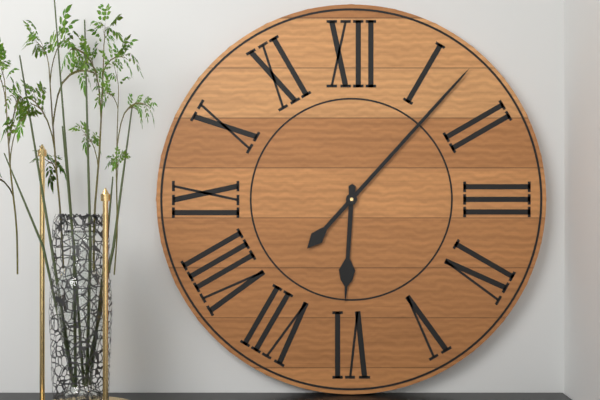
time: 6:07
